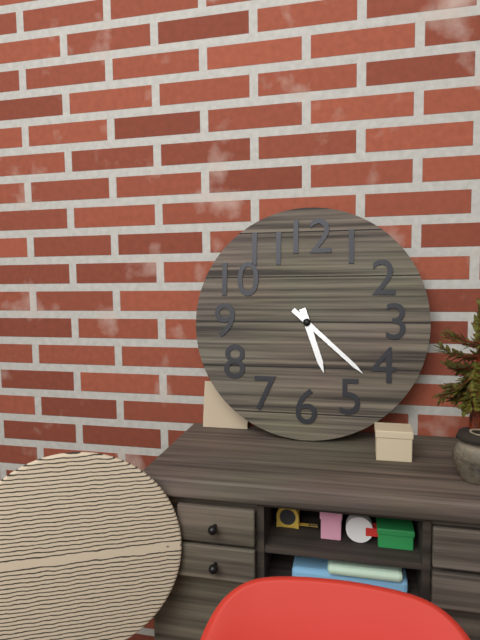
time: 5:22
